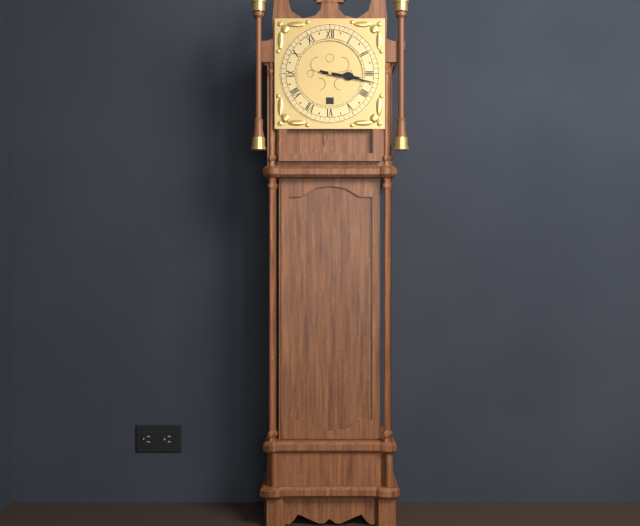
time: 3:17
